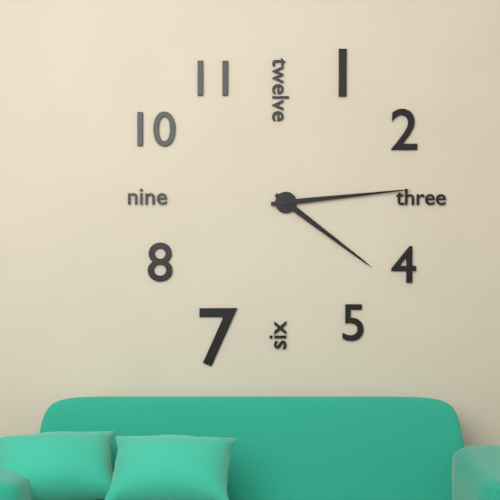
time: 4:14
